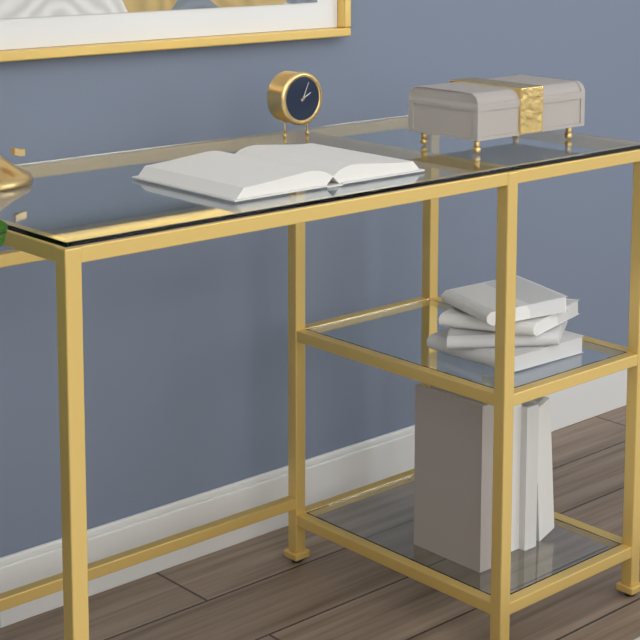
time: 2:04
